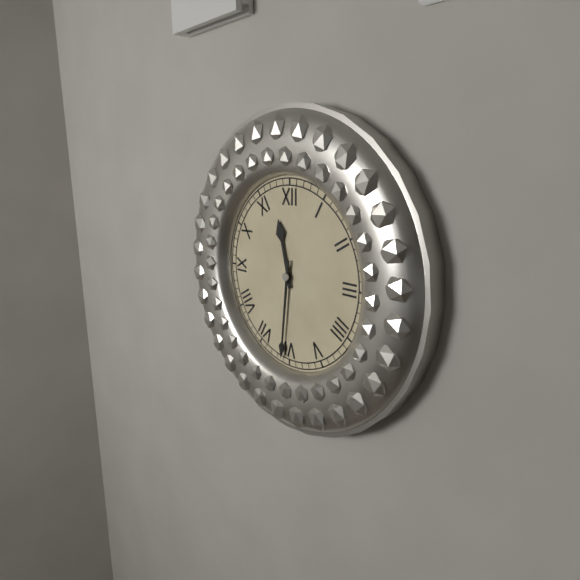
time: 11:31
